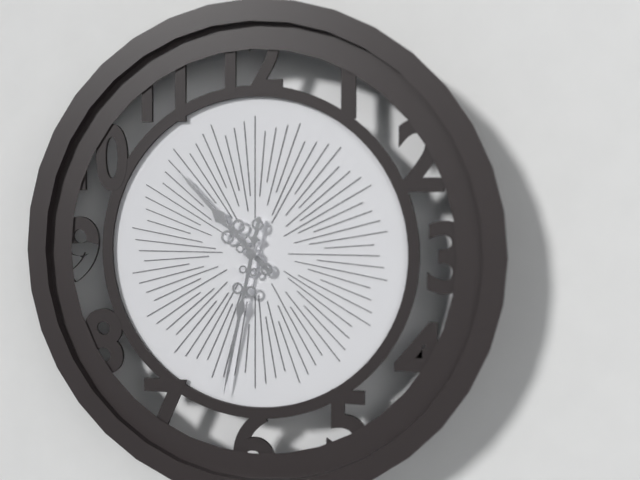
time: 10:32
